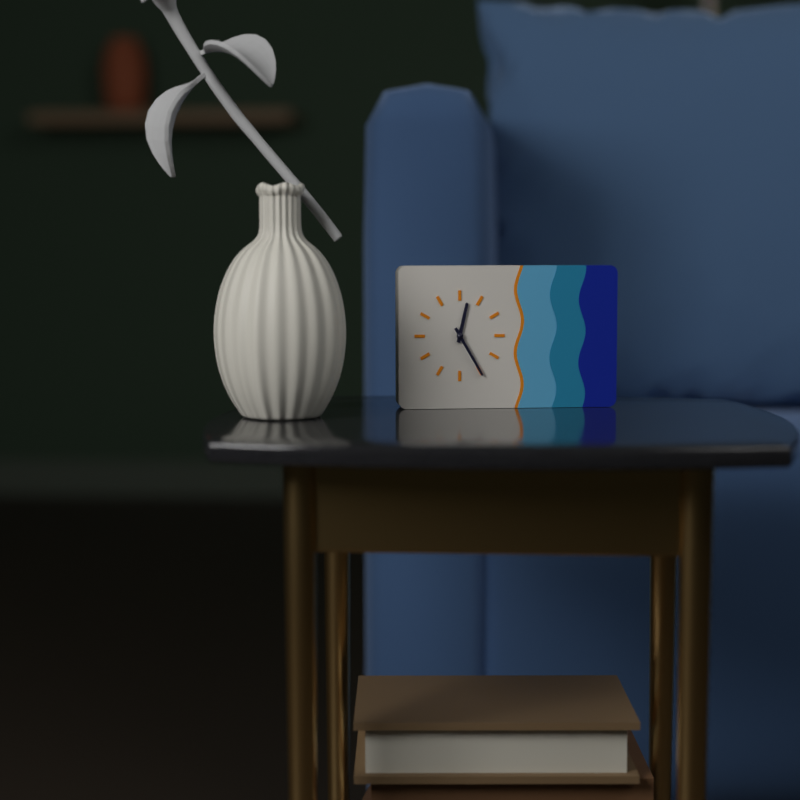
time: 12:25
